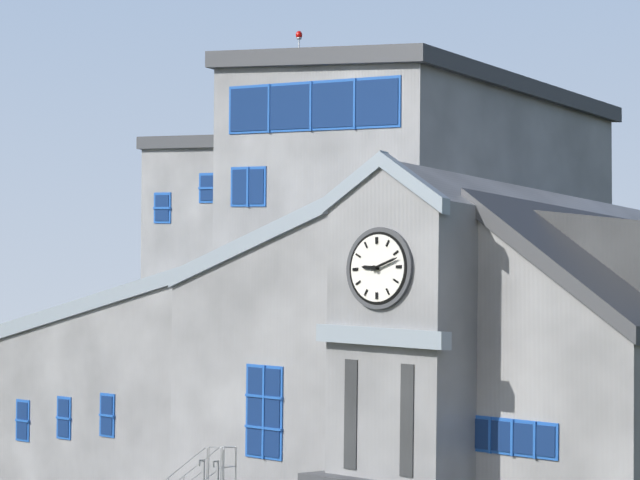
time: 9:12
